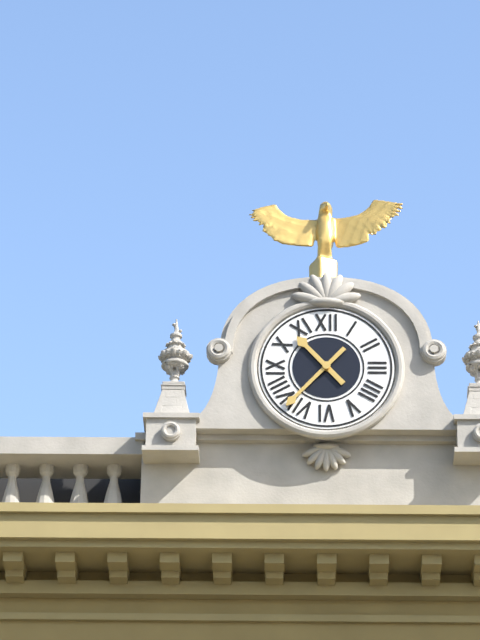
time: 10:37
